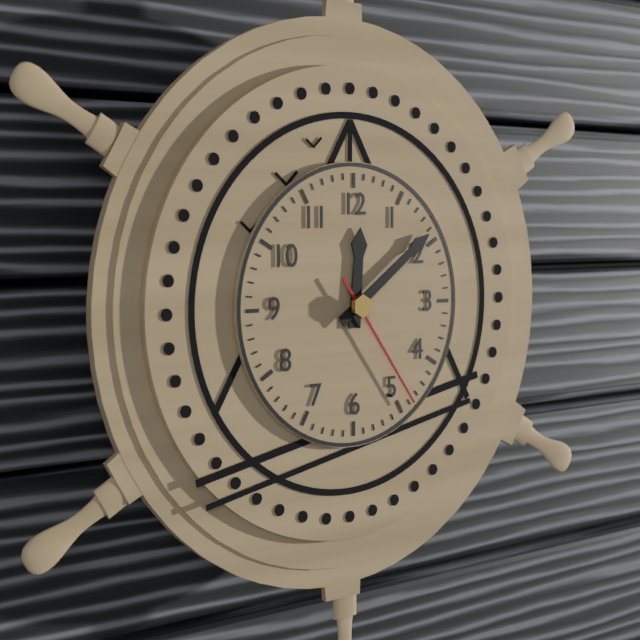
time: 12:09:24
